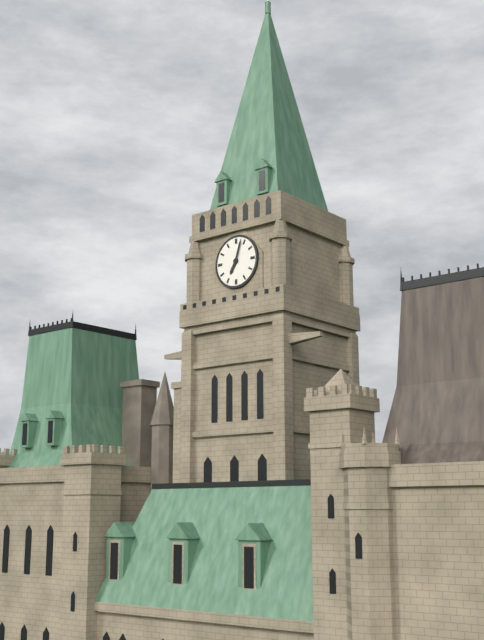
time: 7:03
